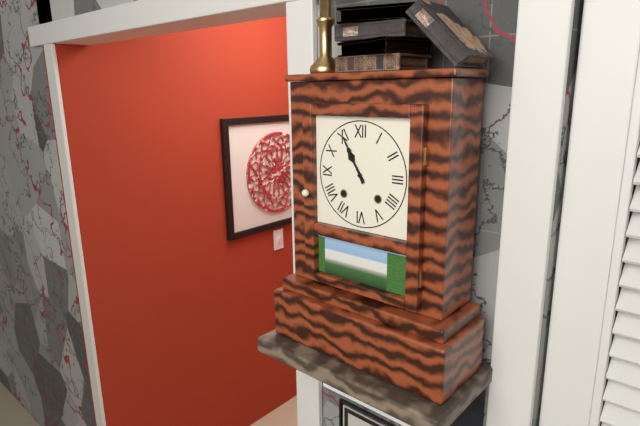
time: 10:55
